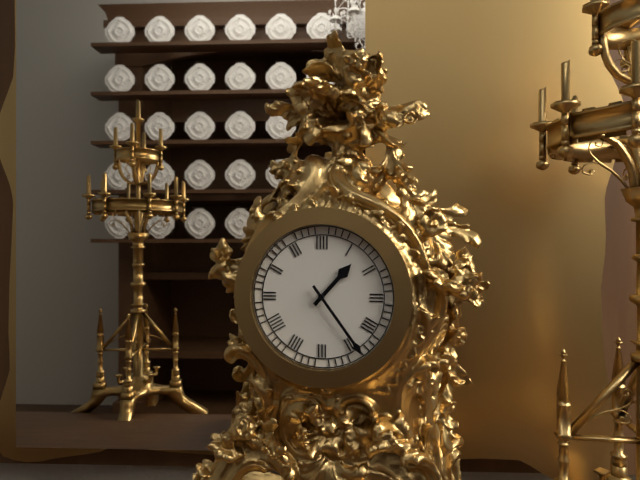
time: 1:24
